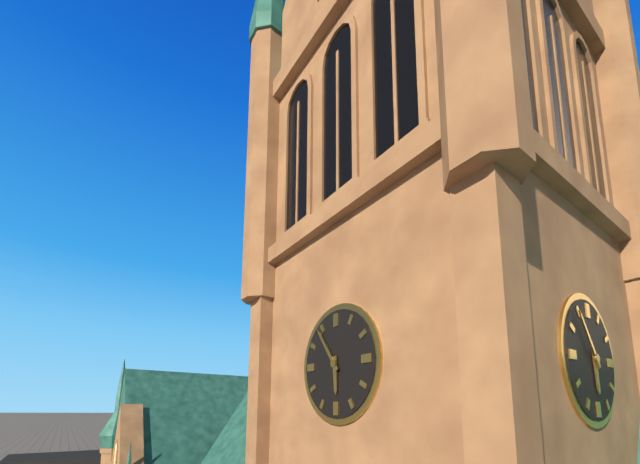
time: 5:54
